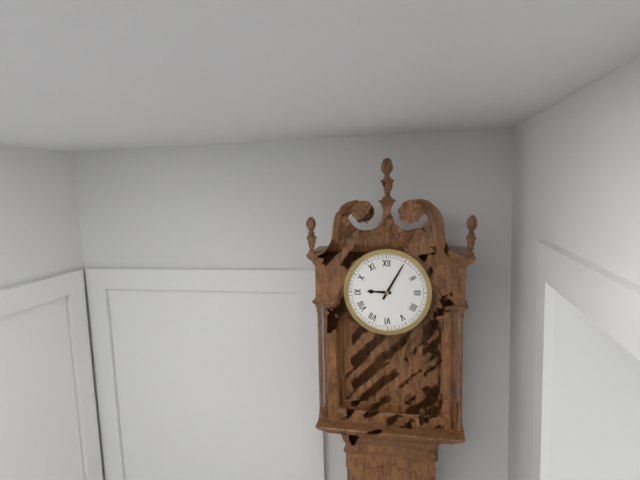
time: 9:05
